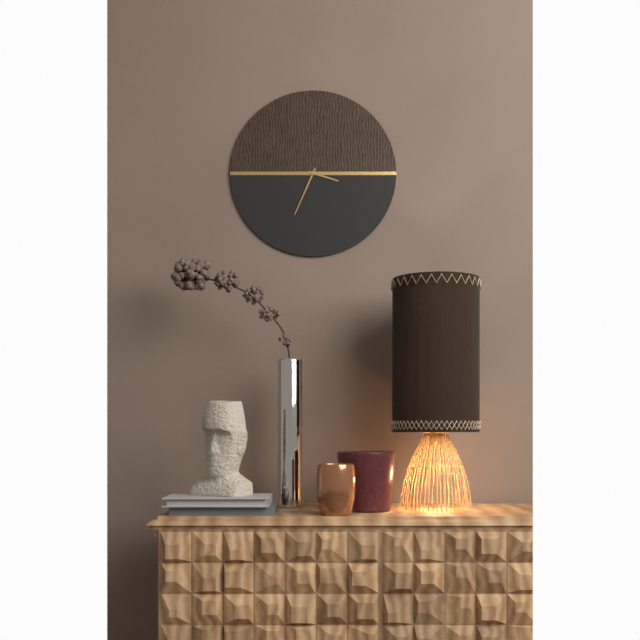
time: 3:34
